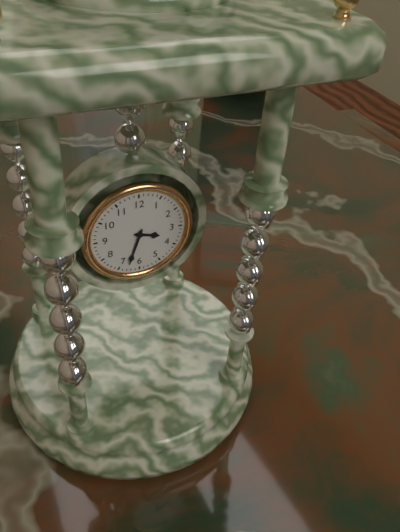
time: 3:33
